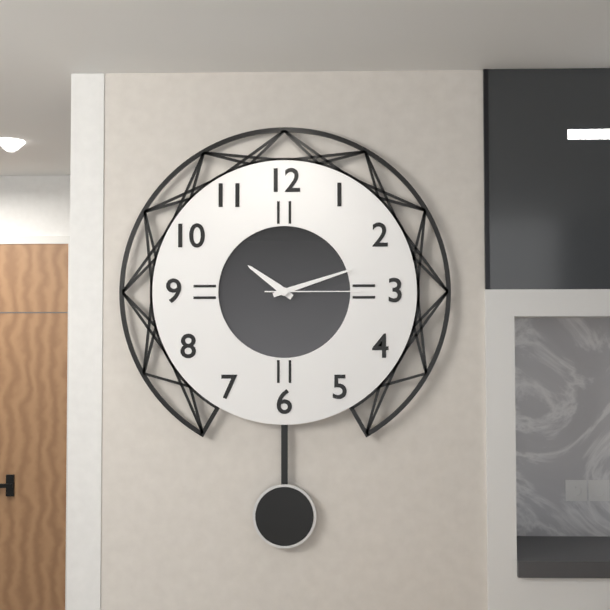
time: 10:12:15
